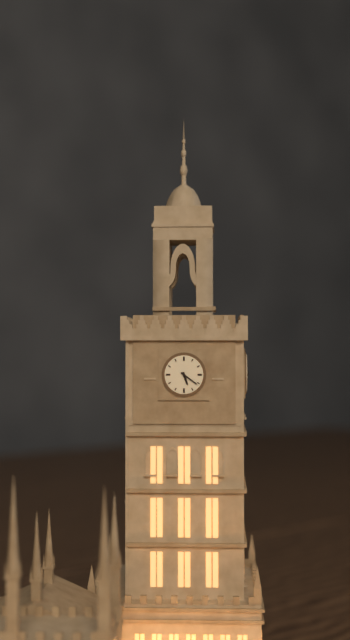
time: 5:21
